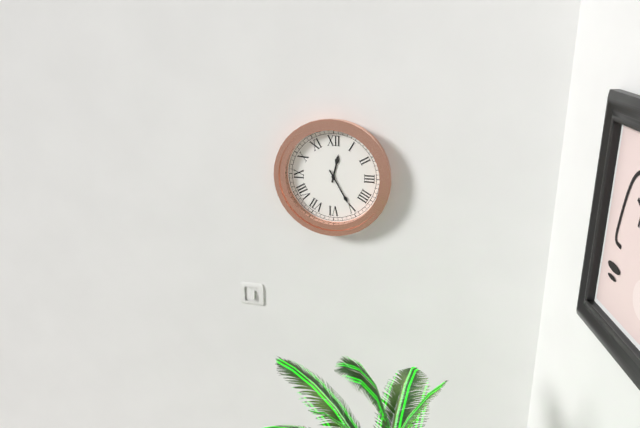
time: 12:25
